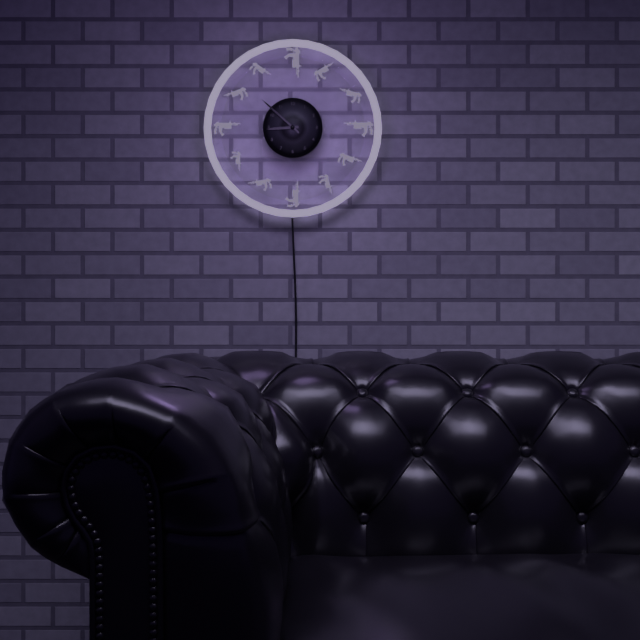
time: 8:52
